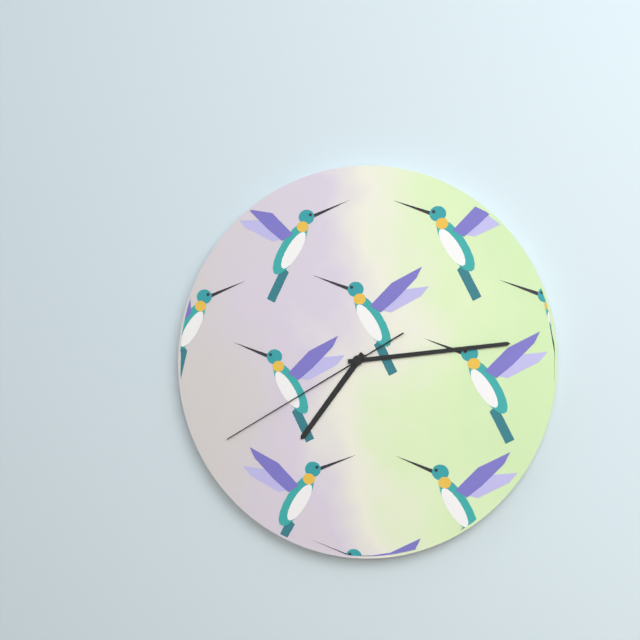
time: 7:14:40
